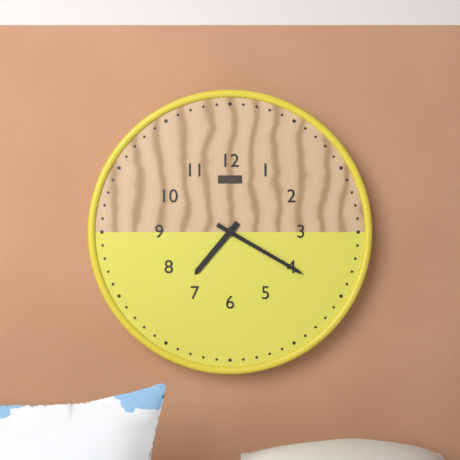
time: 7:20
